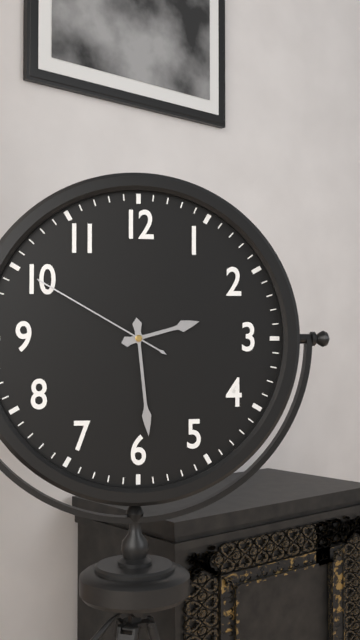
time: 2:29:50
